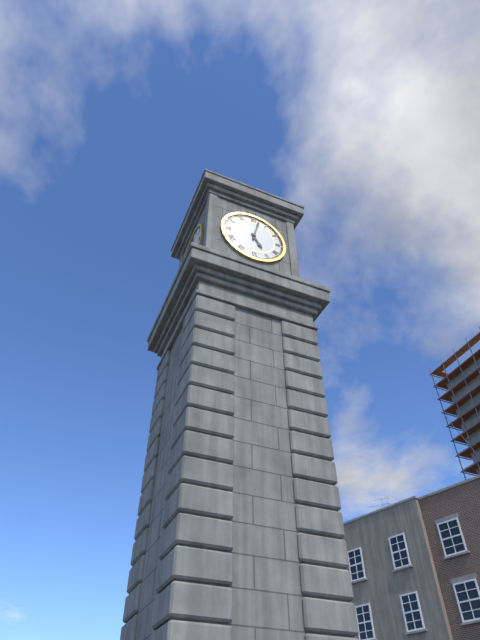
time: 5:02
